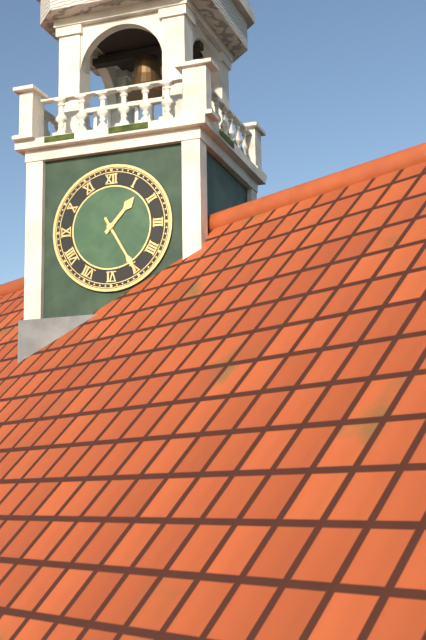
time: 1:25
